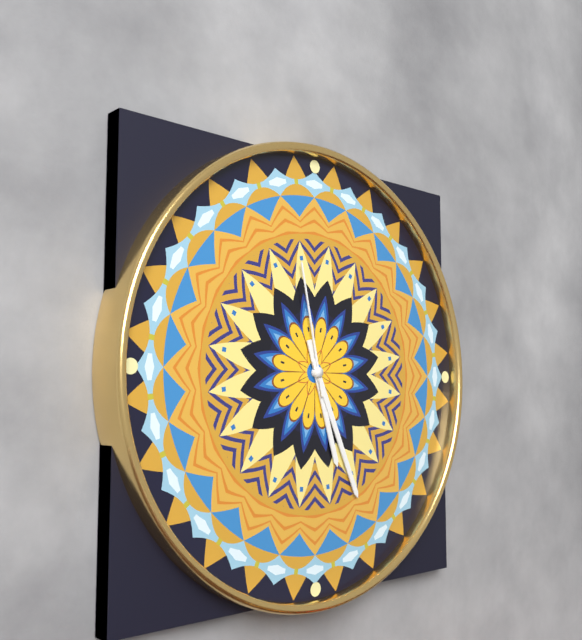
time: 5:26:58
